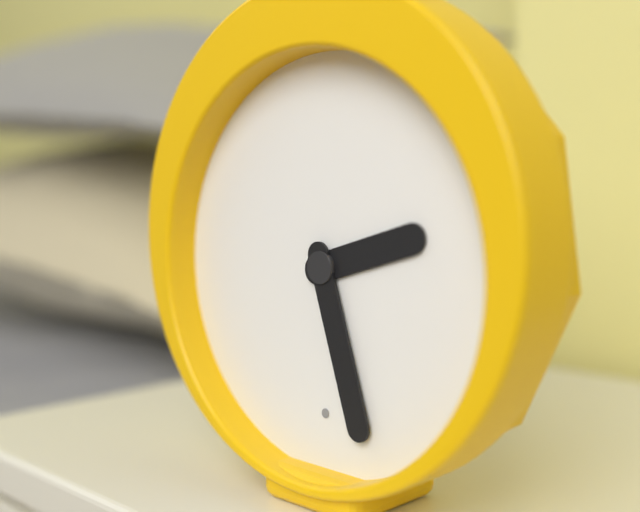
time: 2:27
